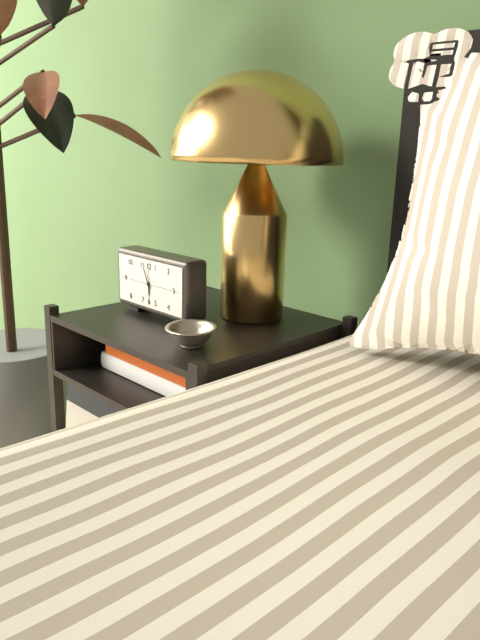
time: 5:56
